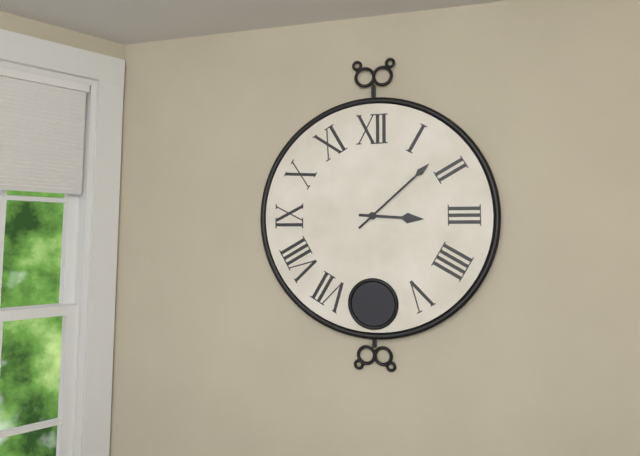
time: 3:08
